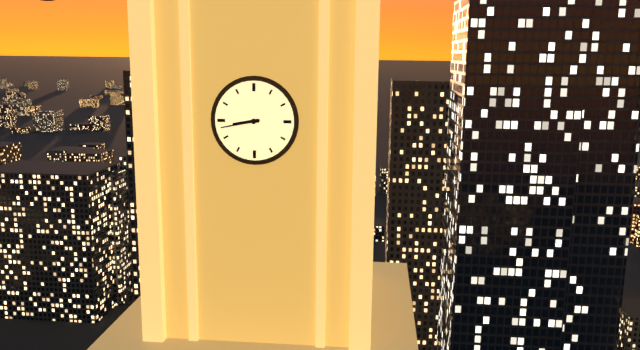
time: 8:43
